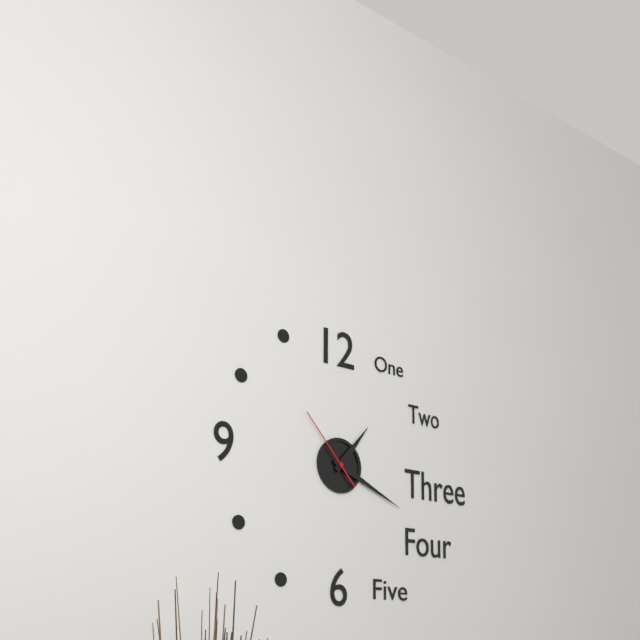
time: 1:19:53
